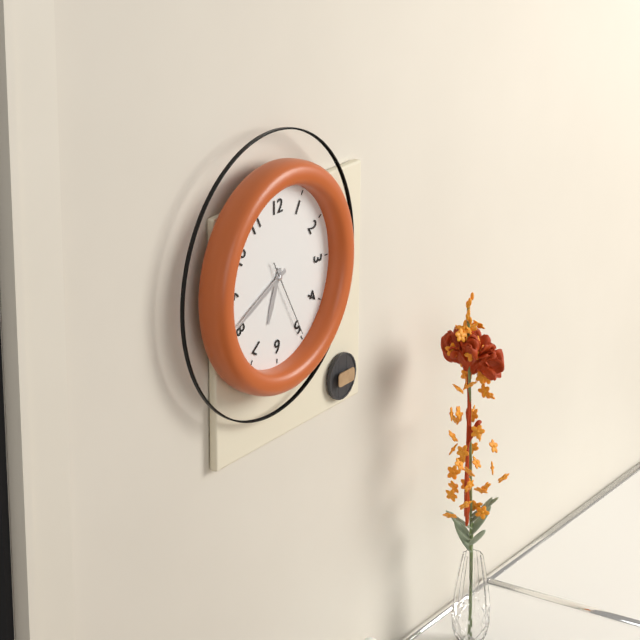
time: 6:41:25
